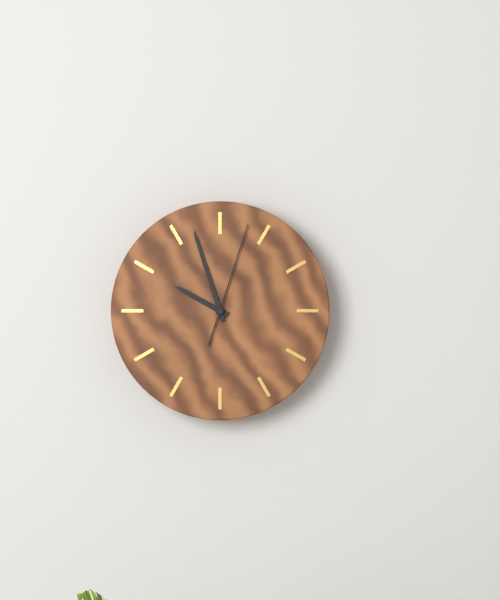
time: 9:57:03
